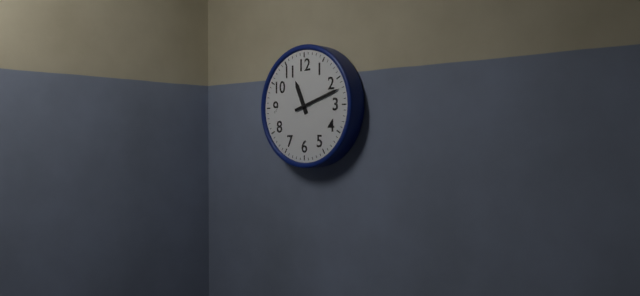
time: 11:12
